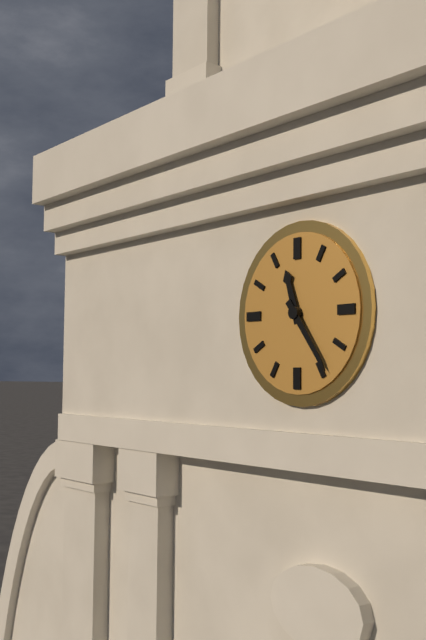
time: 11:24
